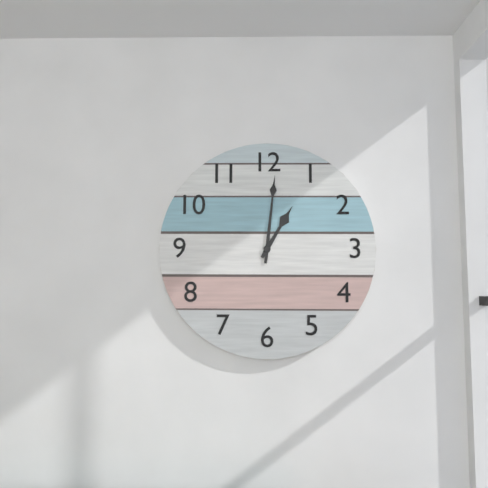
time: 1:01
